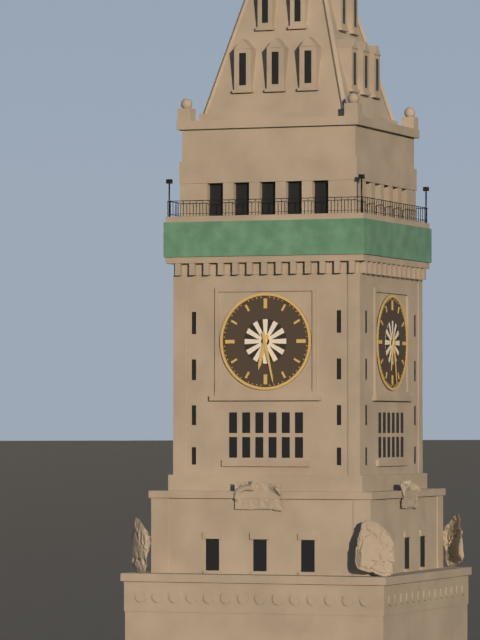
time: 6:28
